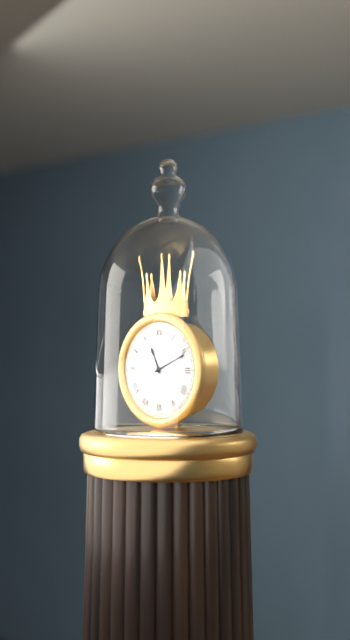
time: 11:11
